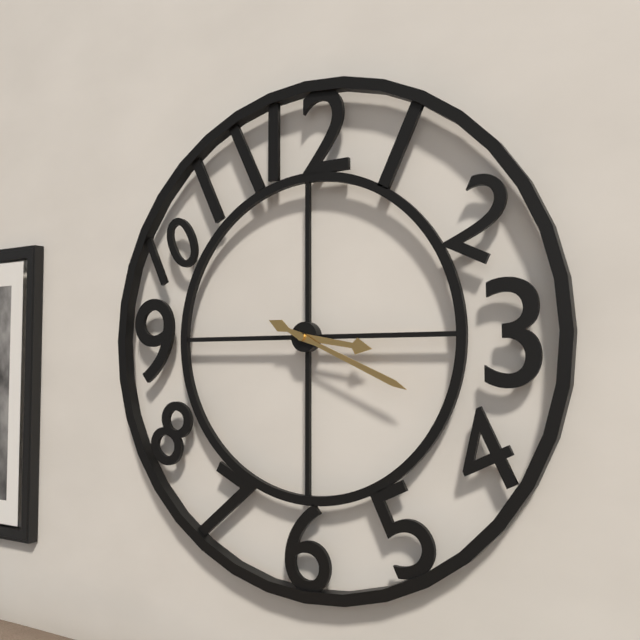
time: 3:19
